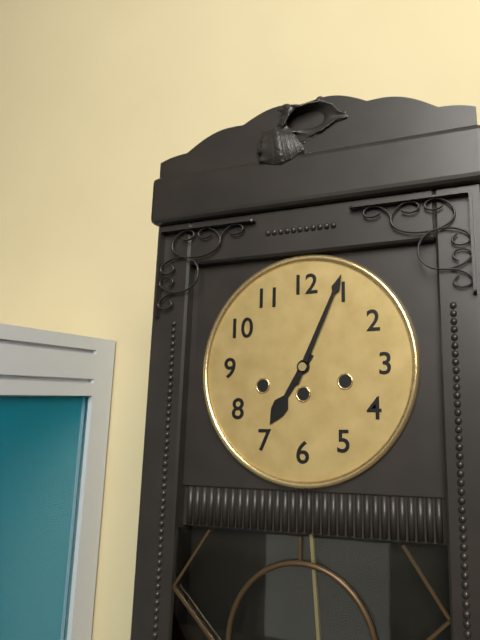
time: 7:04
